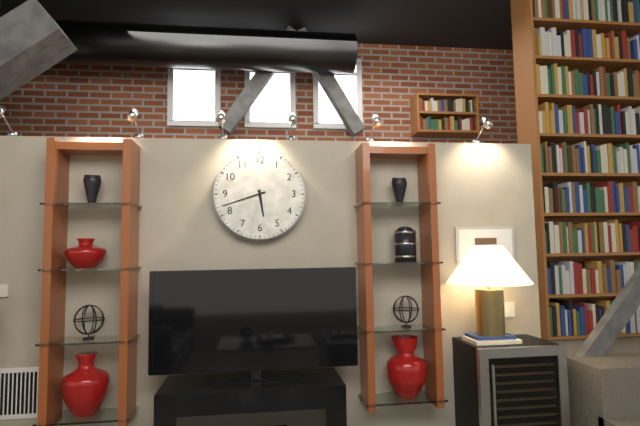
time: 5:42
